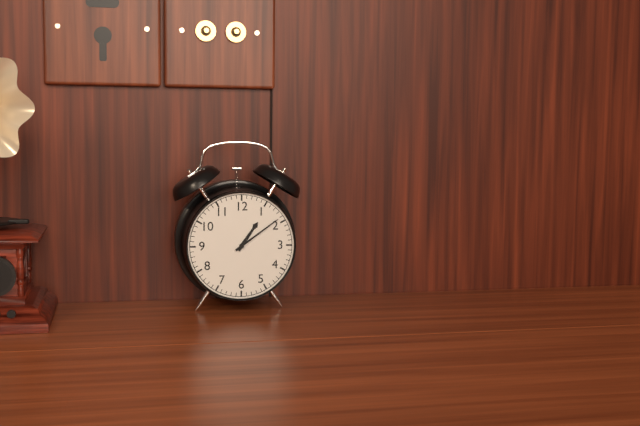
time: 1:09
